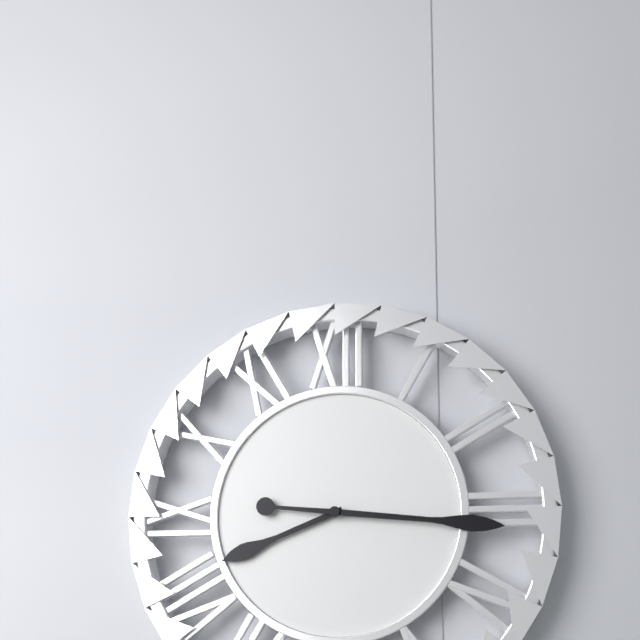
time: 8:16
